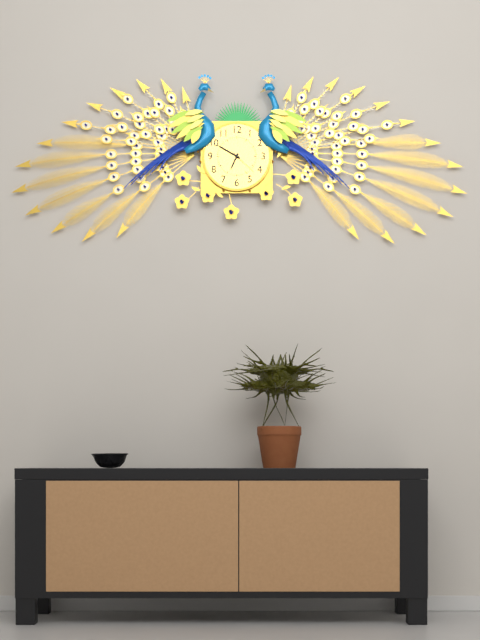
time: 6:50
